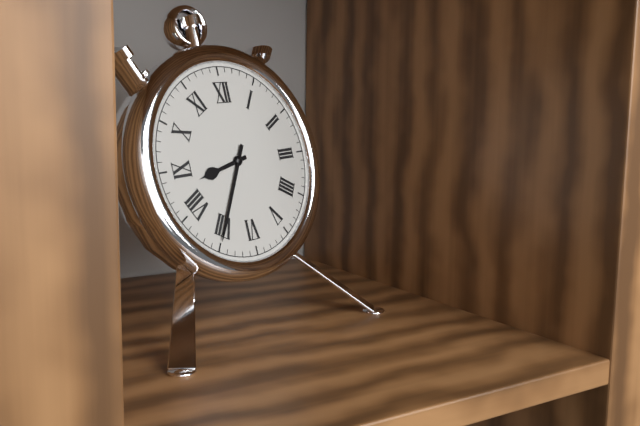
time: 8:35
